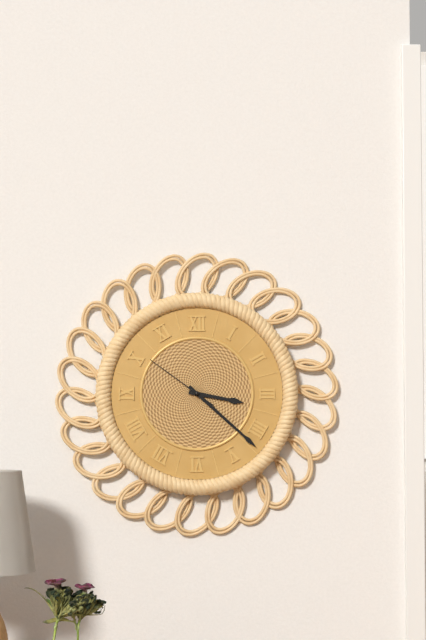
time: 3:22:51
